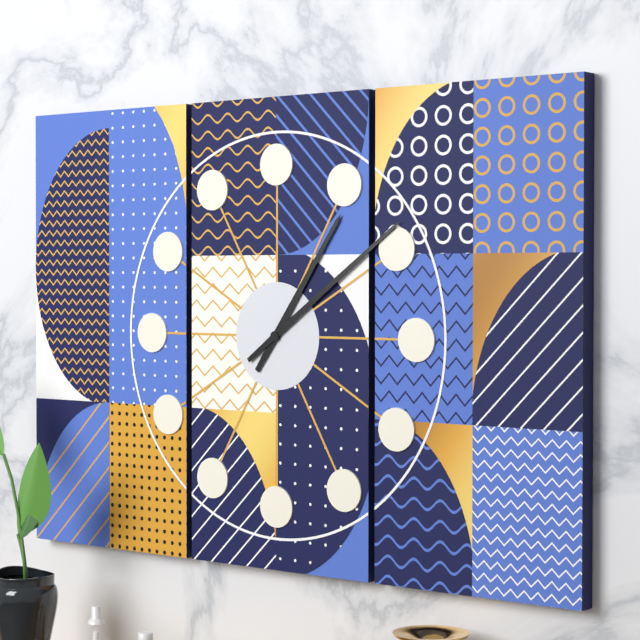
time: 1:09
